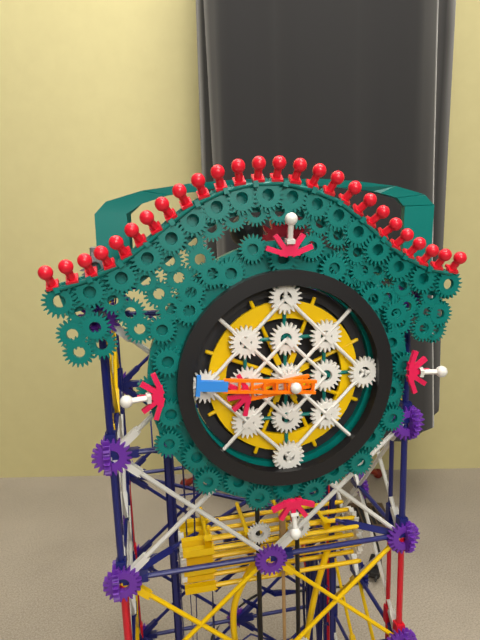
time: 8:46
